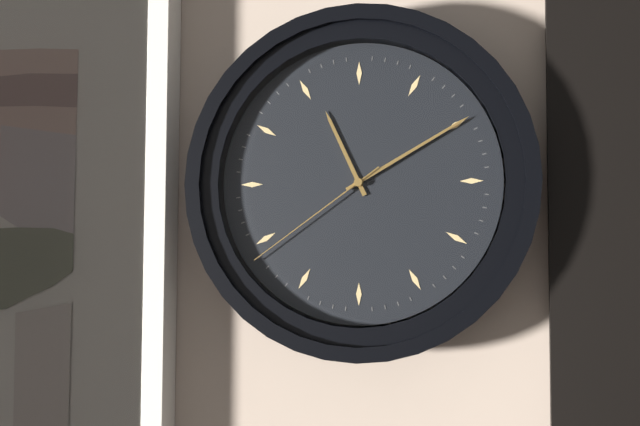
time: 11:10:39
